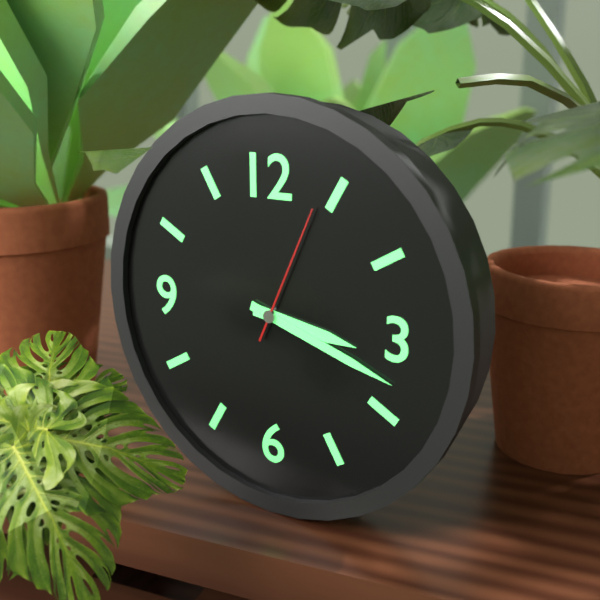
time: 3:18:04
